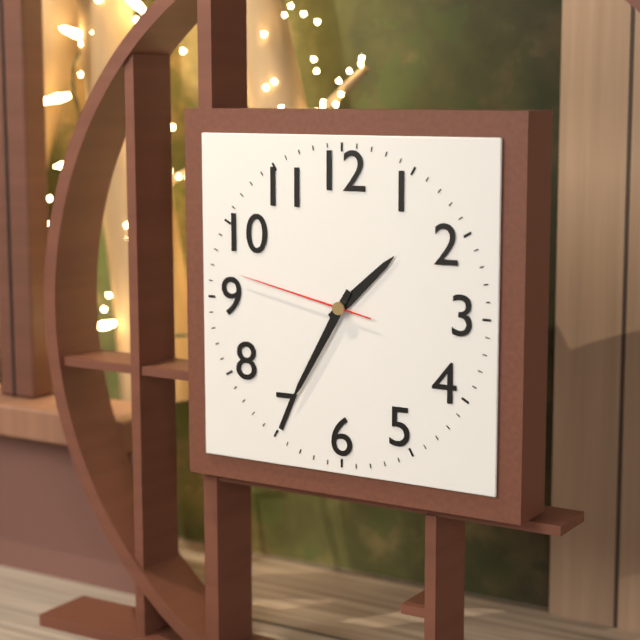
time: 1:35:47
